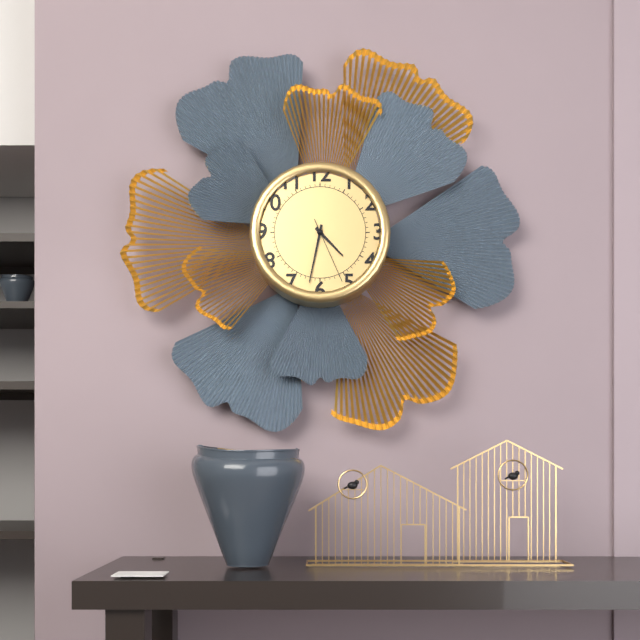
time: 4:32:26
